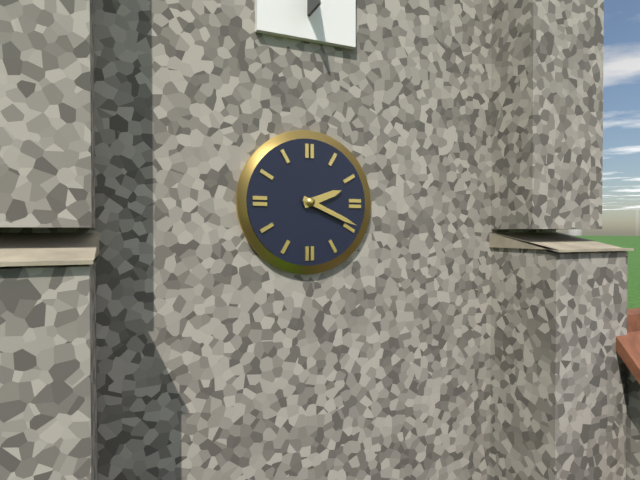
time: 2:19
